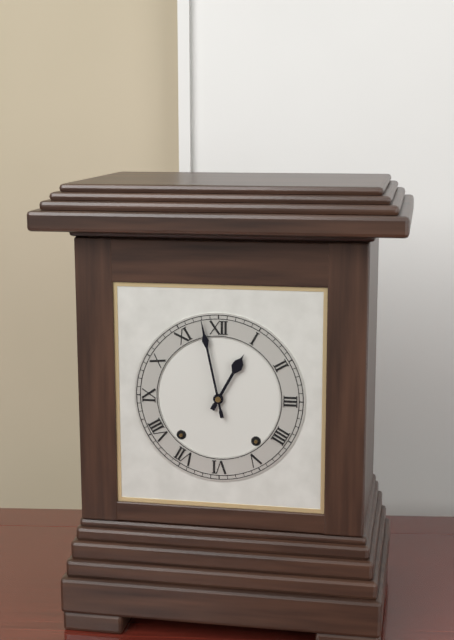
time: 12:58
